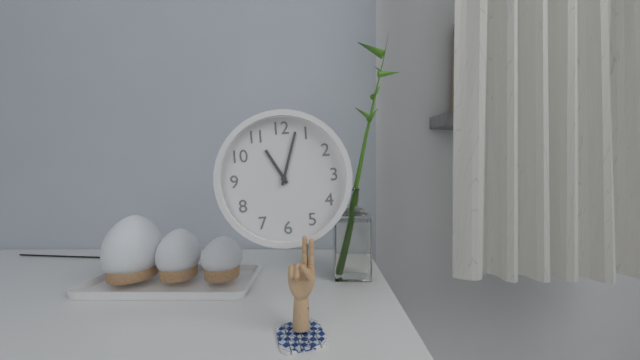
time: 11:03
